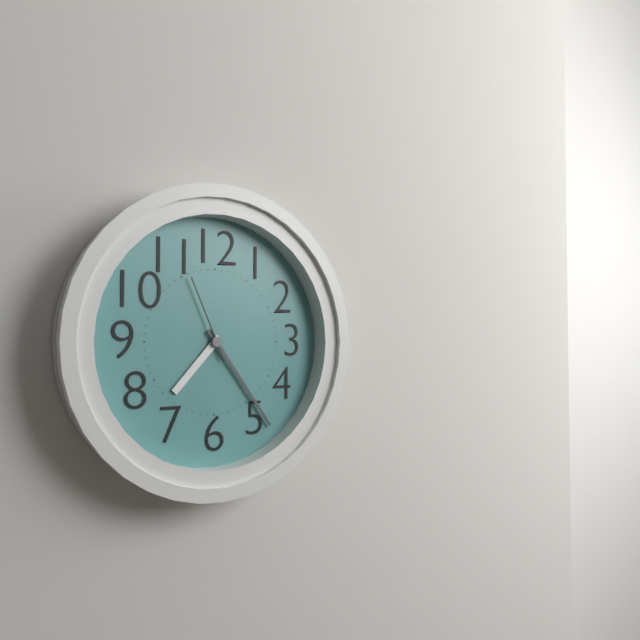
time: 7:24:56
